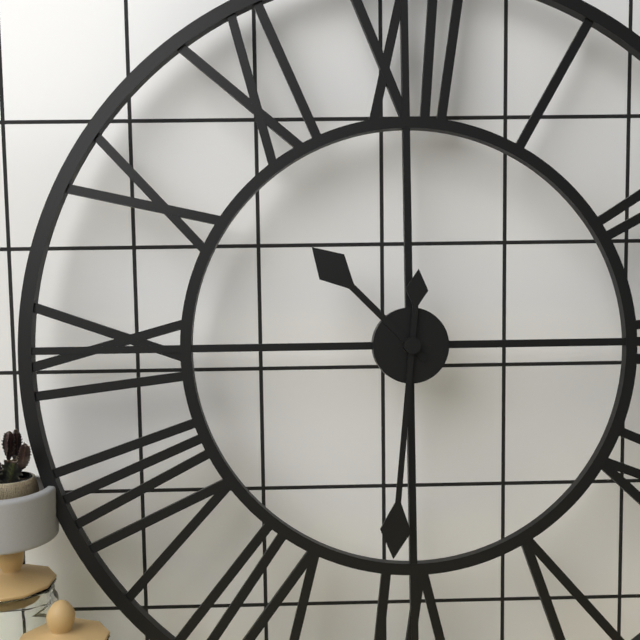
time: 10:31
